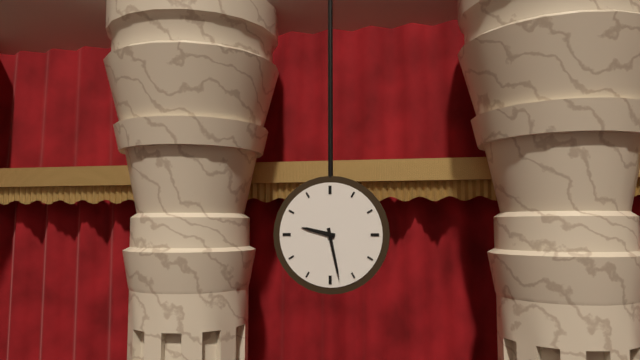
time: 9:28
